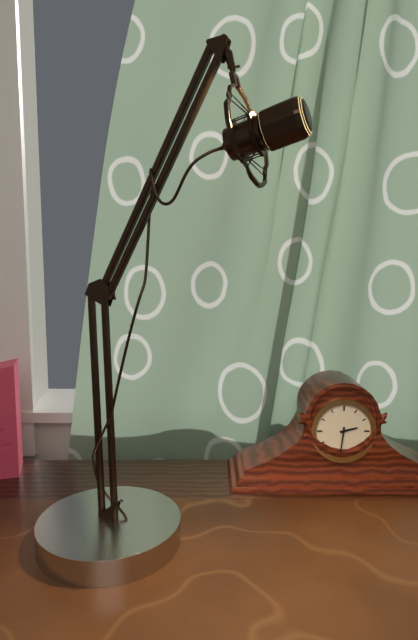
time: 2:31
